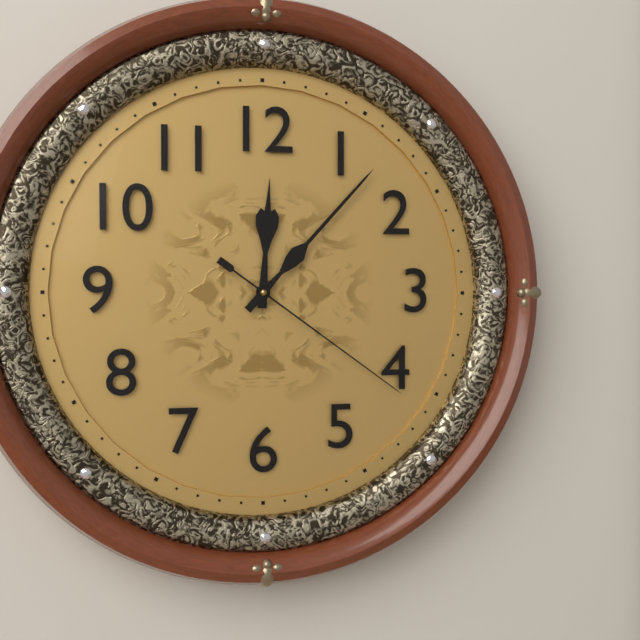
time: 12:07:21
